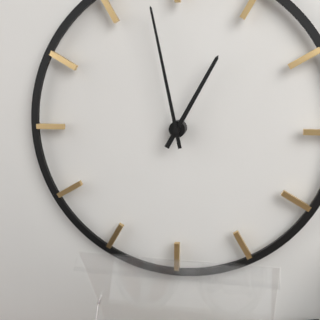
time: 12:58
